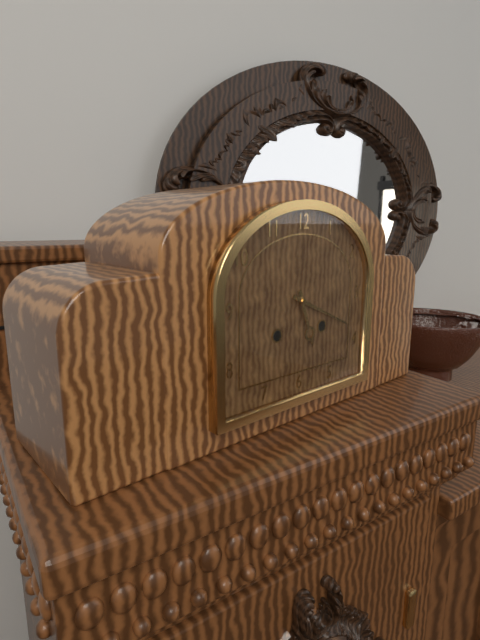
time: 5:19
